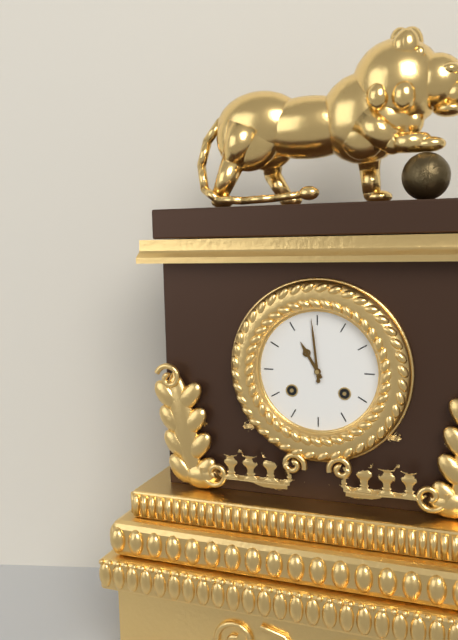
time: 10:59
